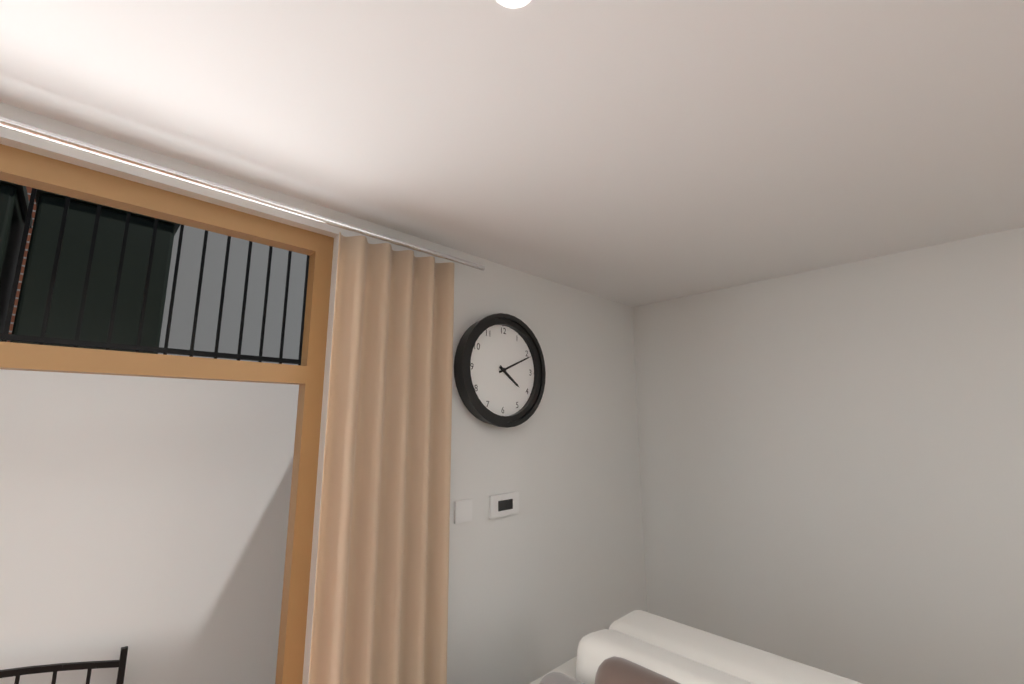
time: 4:11
